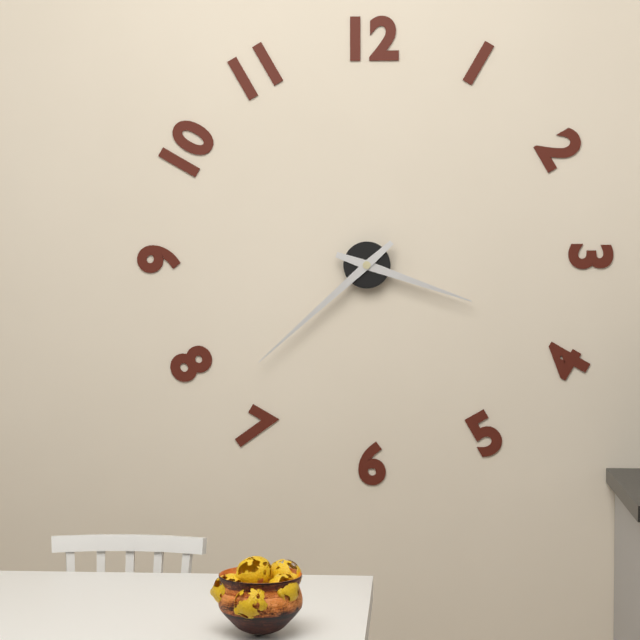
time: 3:38
